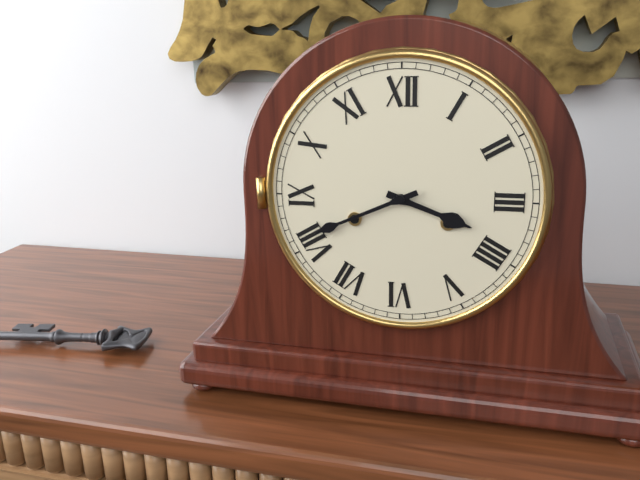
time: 3:41
